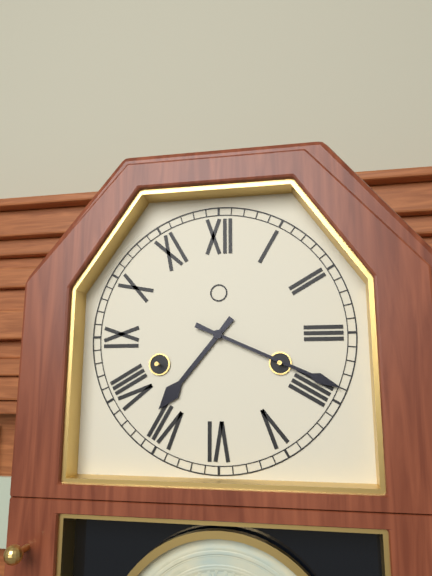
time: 7:19
